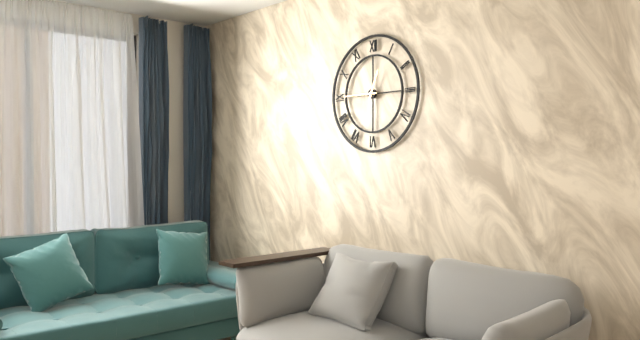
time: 12:45
